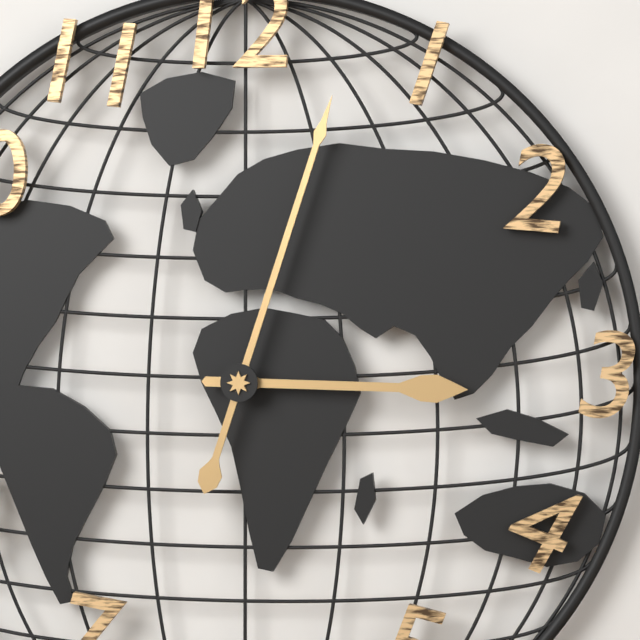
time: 3:03
